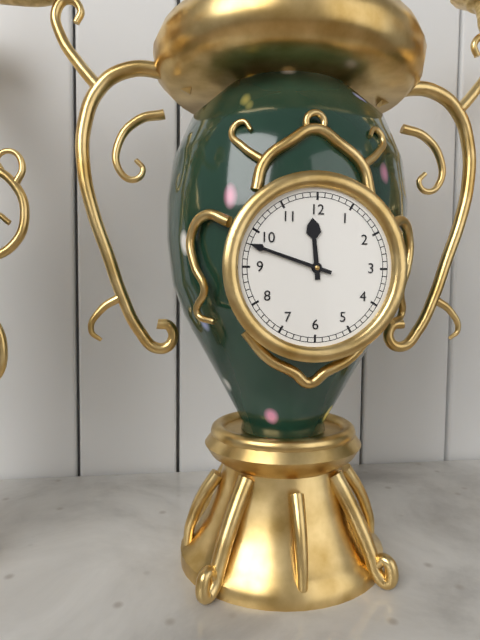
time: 11:48
